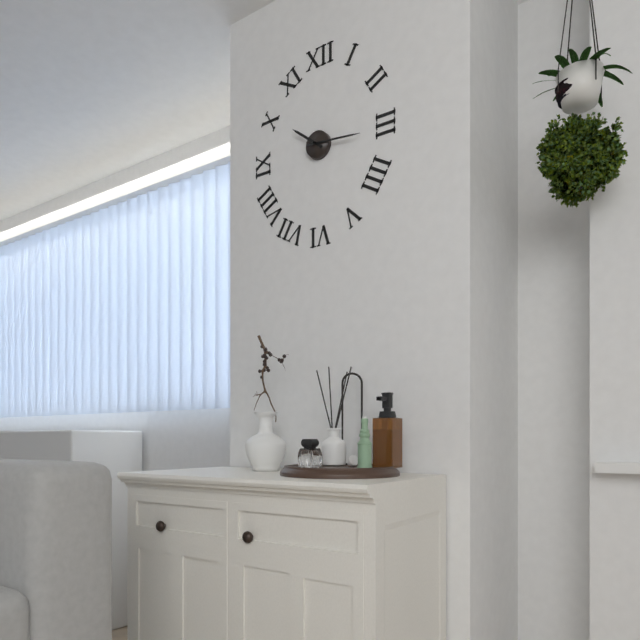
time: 10:16
